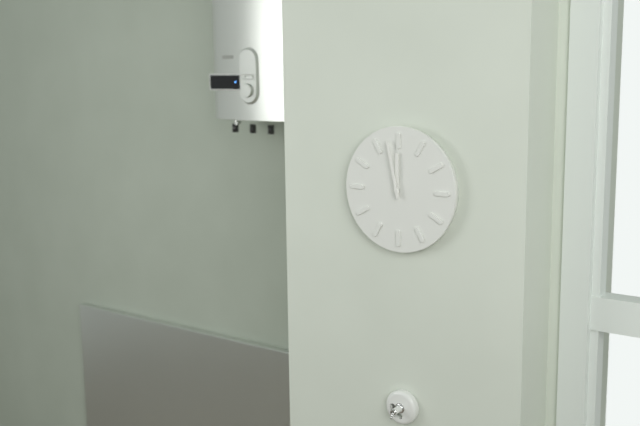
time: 11:58
